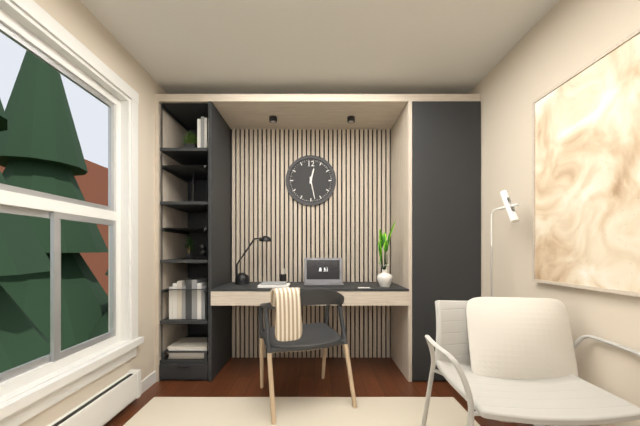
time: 12:28
